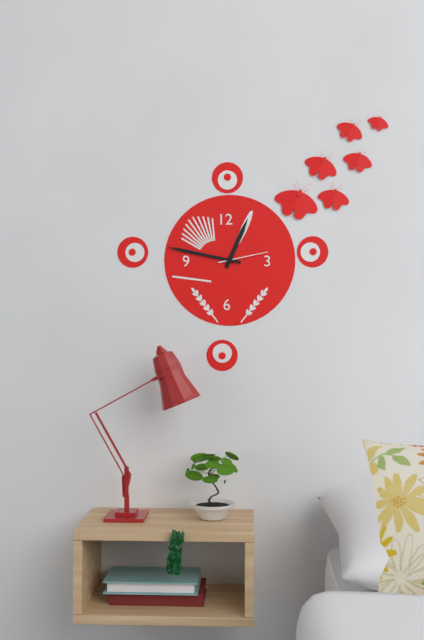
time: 12:47
